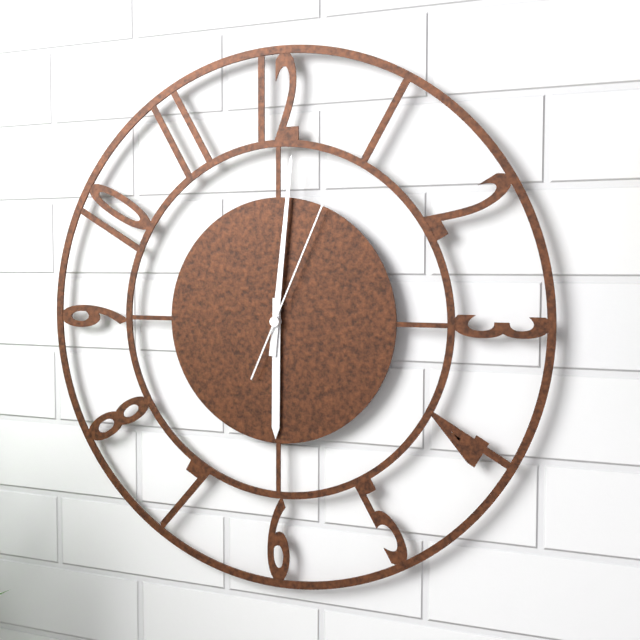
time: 6:01:04
